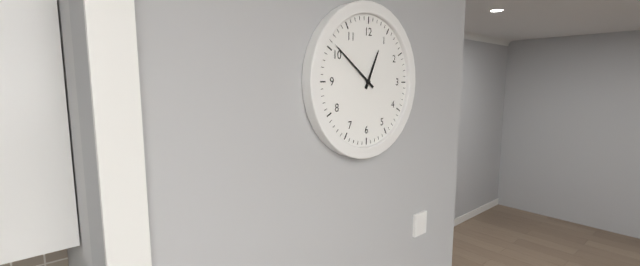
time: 12:51
